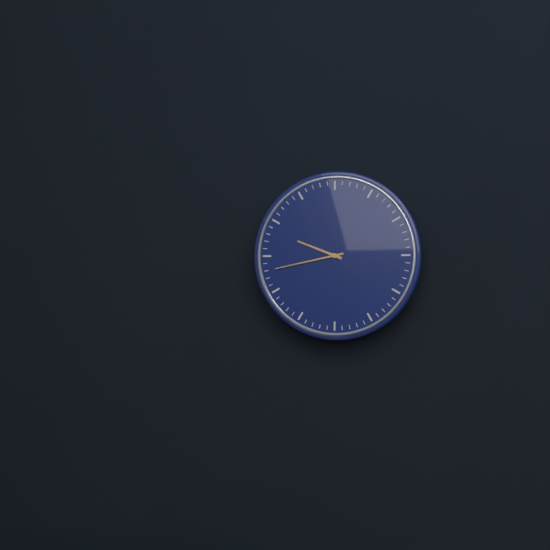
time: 9:43
